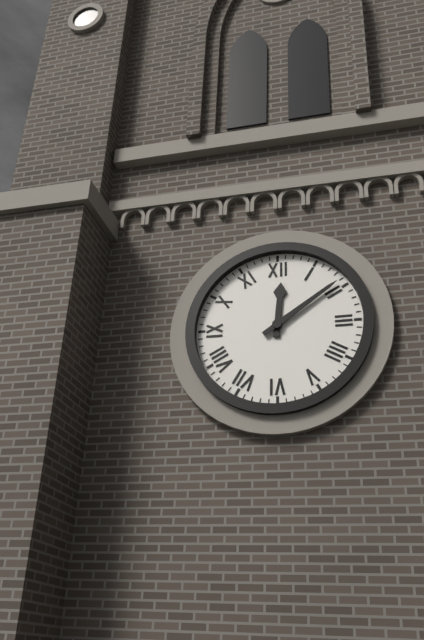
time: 12:09
